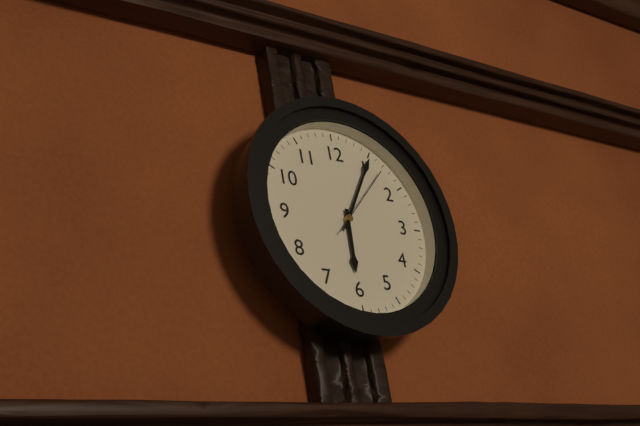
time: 6:05:07
